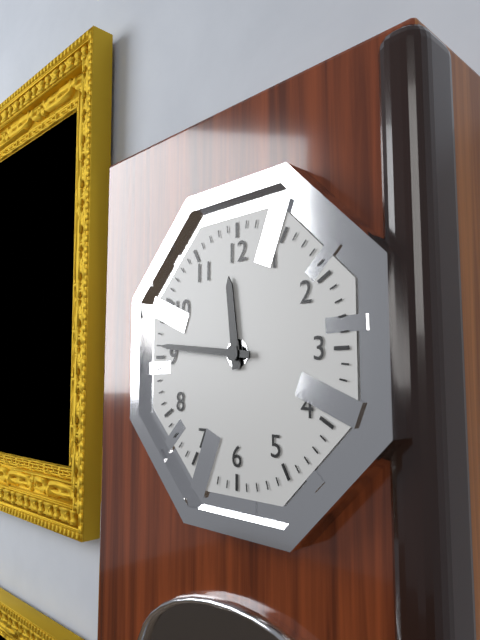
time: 11:46
